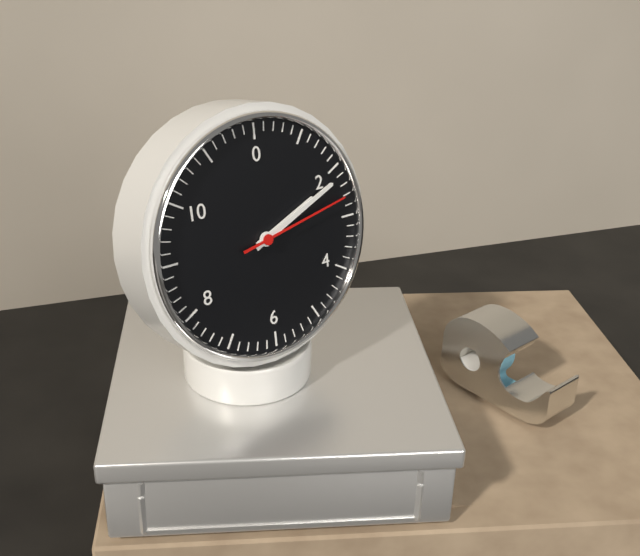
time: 2:11:13
